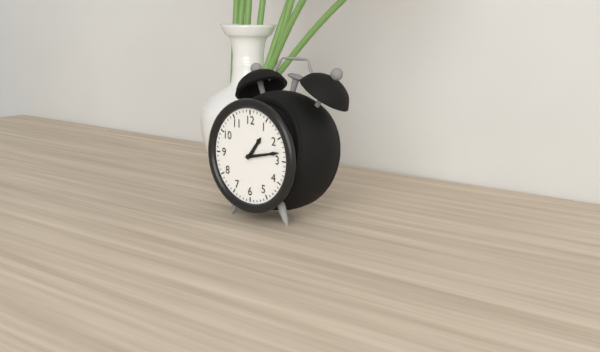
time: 1:13
